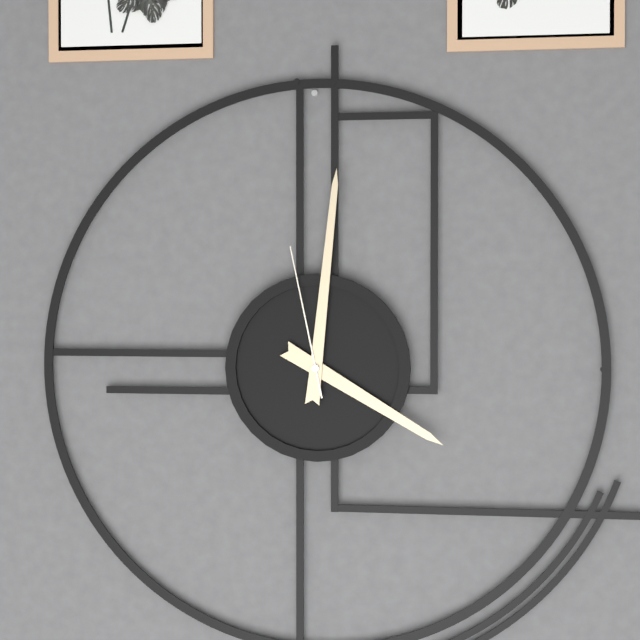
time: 4:01:58
